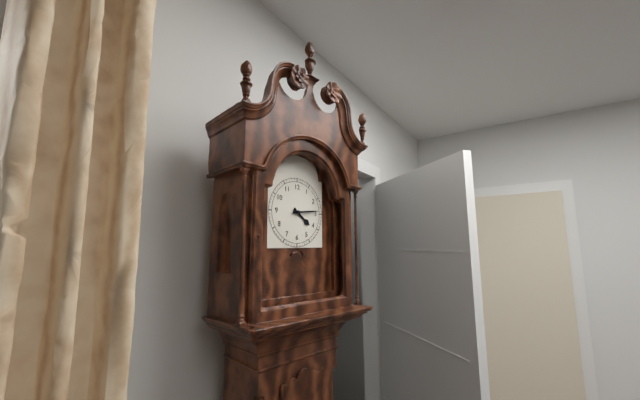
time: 4:14
